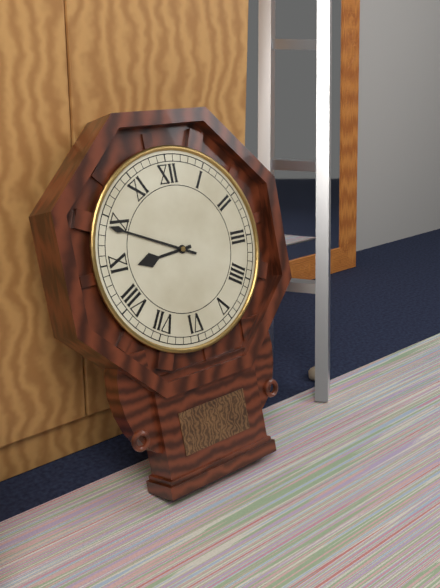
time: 8:49
